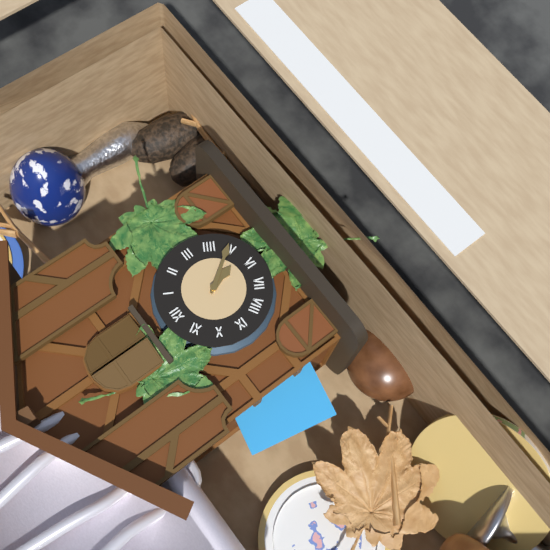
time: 5:24
